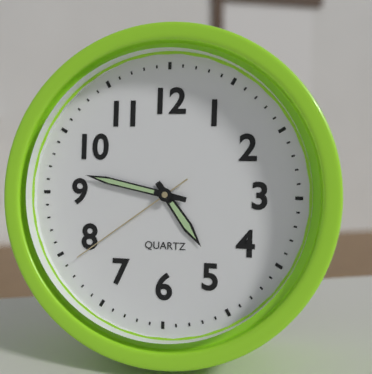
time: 4:47:39
